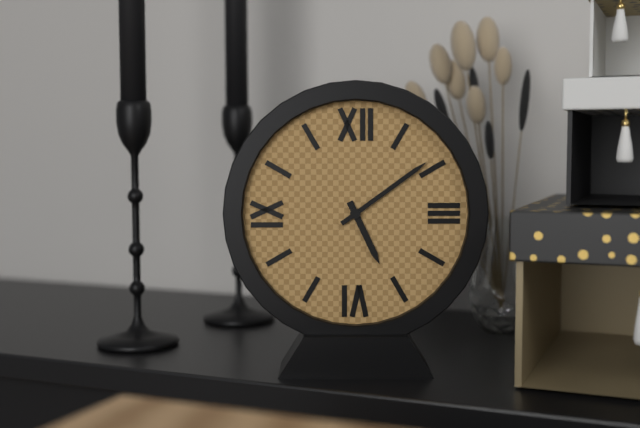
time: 5:09
